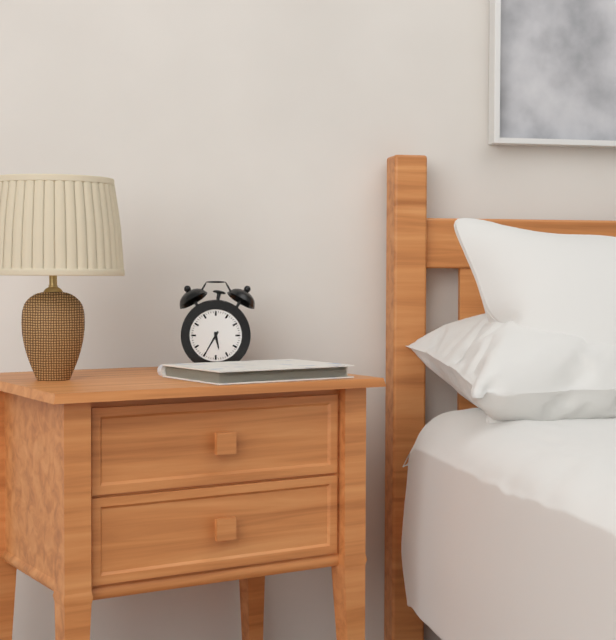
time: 5:35
